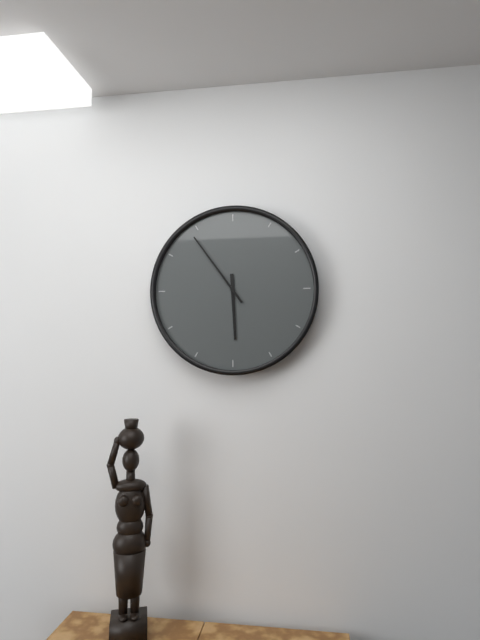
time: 5:54
